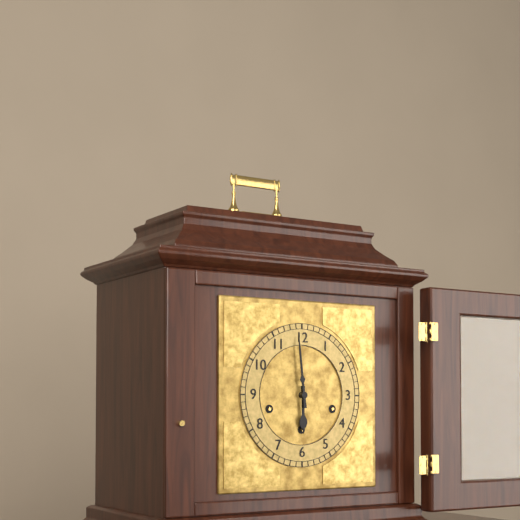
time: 5:59
